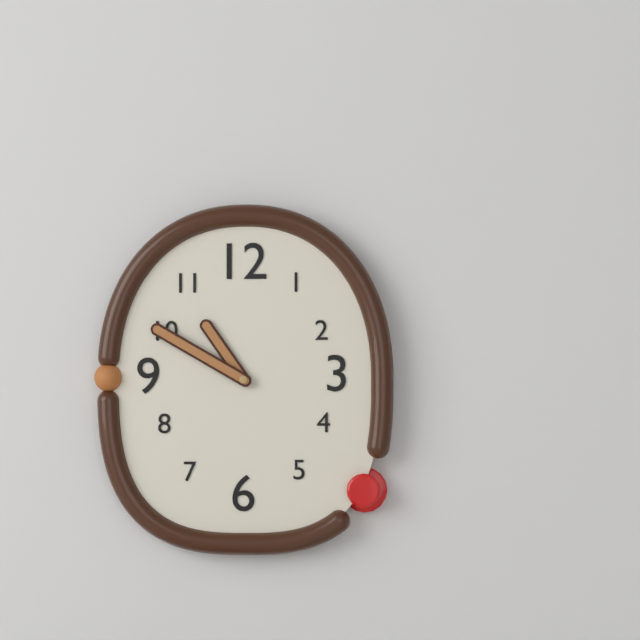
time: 10:50
